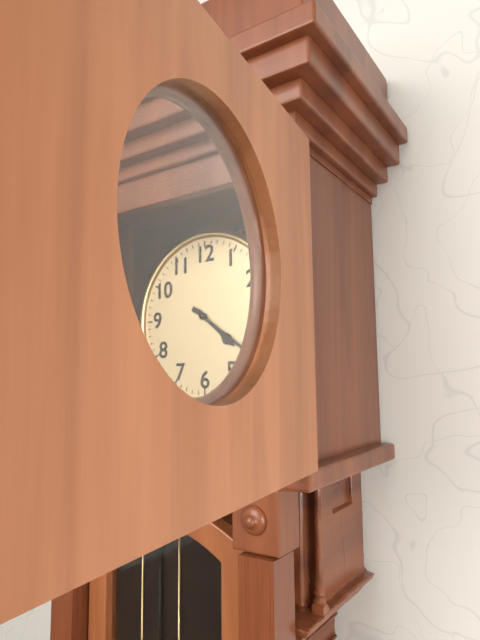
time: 4:21
